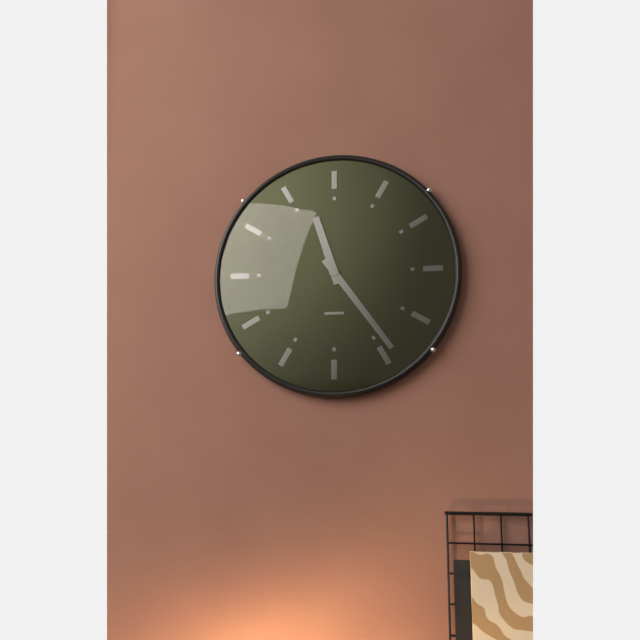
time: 11:24
